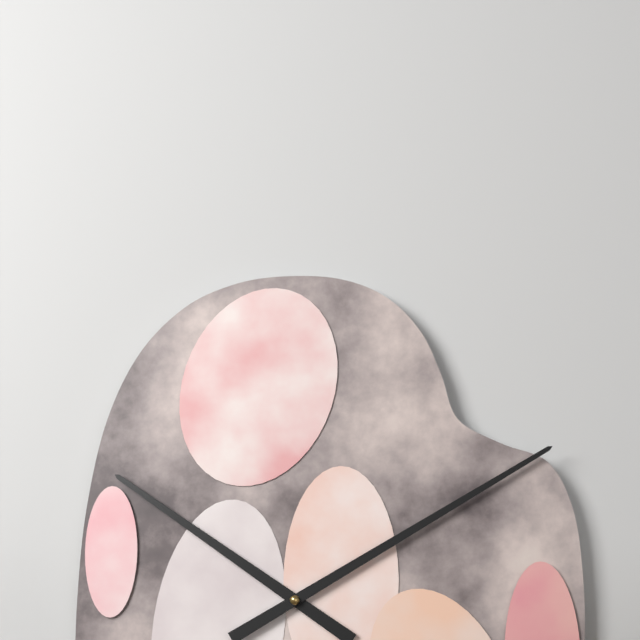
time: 10:10
